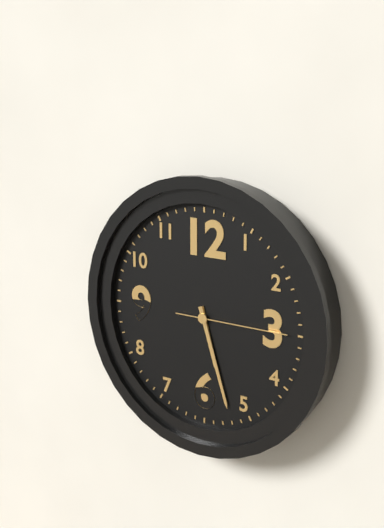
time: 5:27:15
